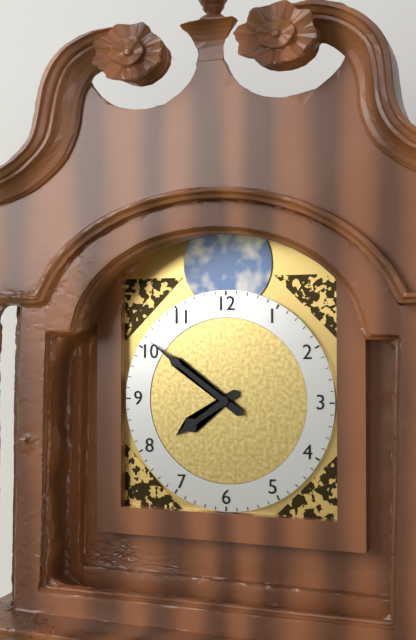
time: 7:51
